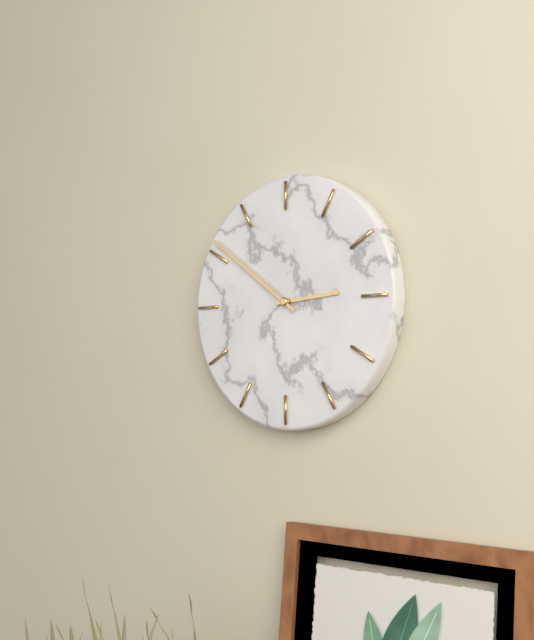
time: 2:51
